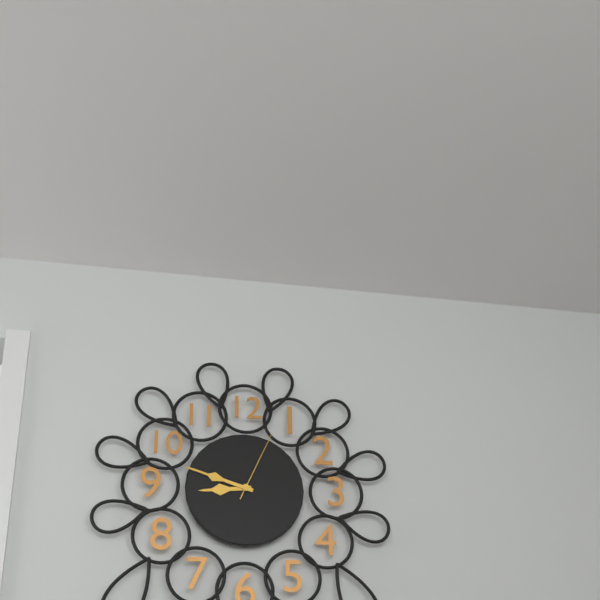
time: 8:48:04
